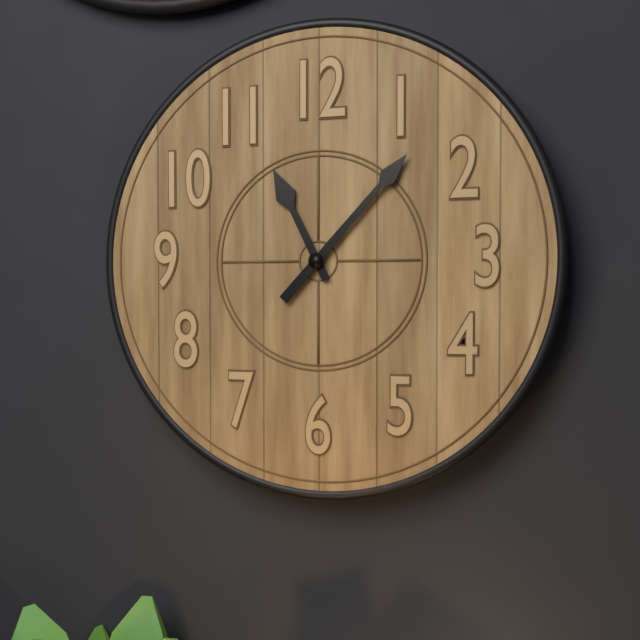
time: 11:07
